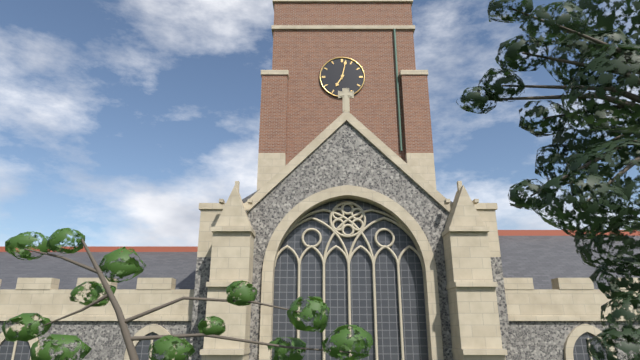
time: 7:02
